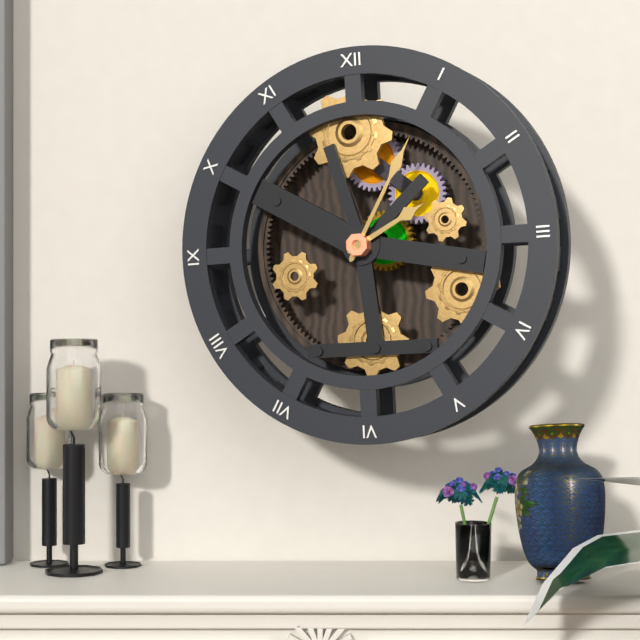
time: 2:05
